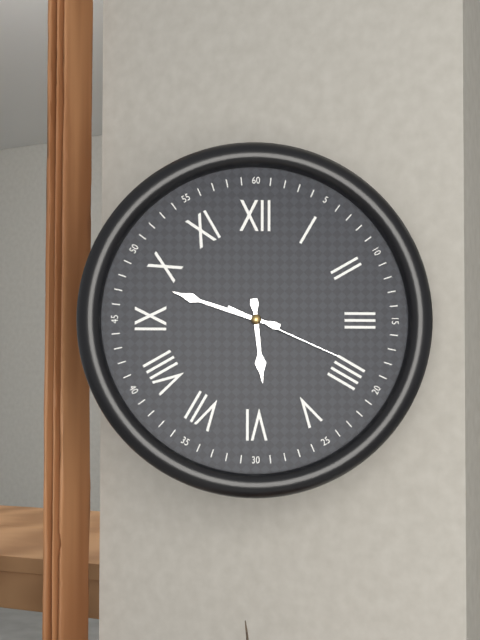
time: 5:48:19
